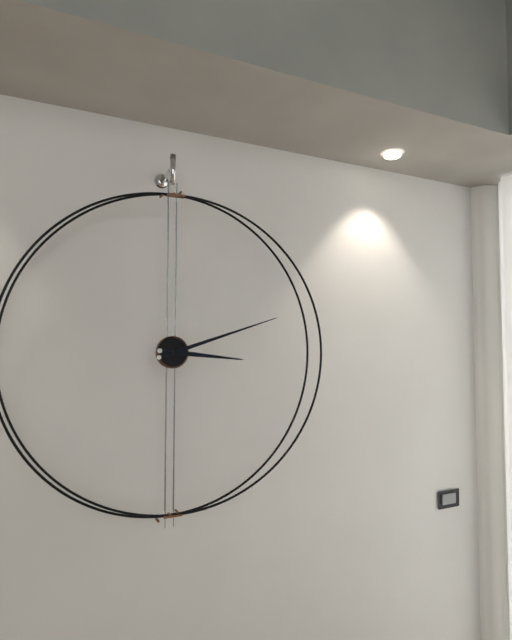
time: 3:12
